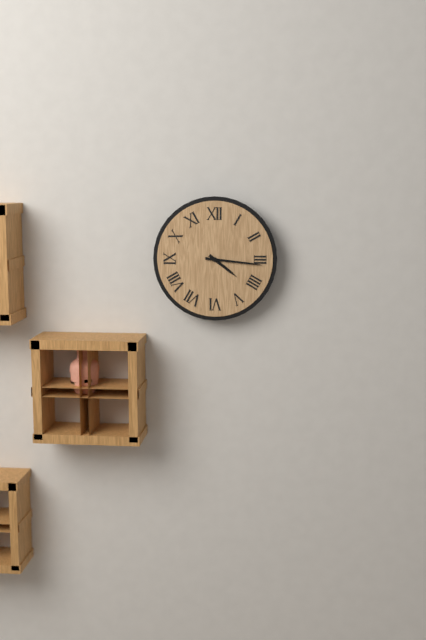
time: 4:16
